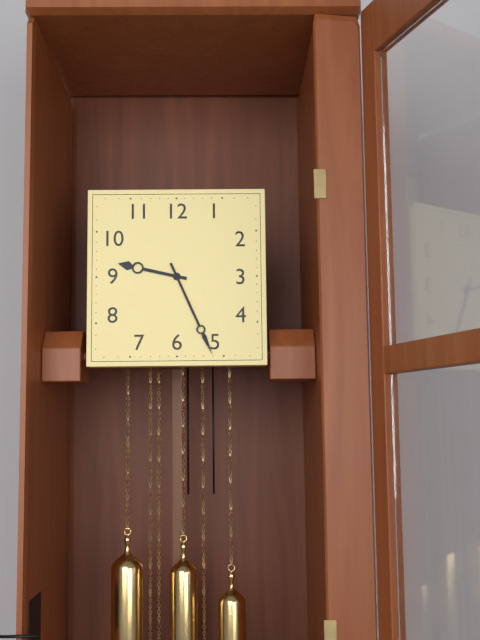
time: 9:26
